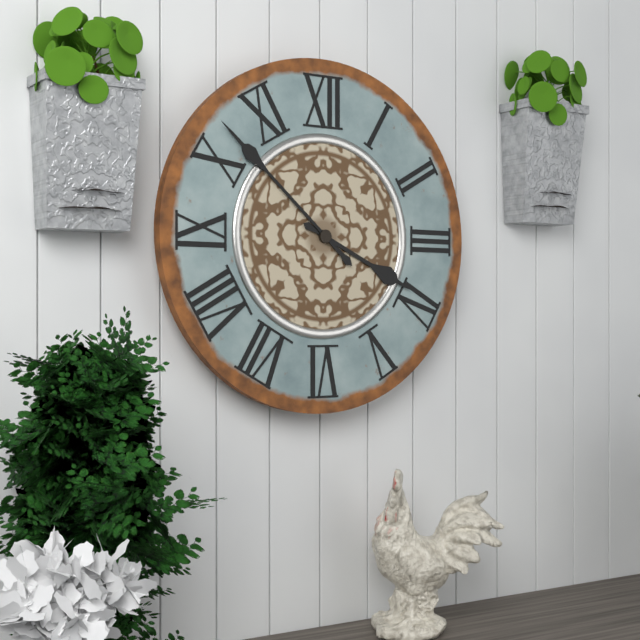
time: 3:52
